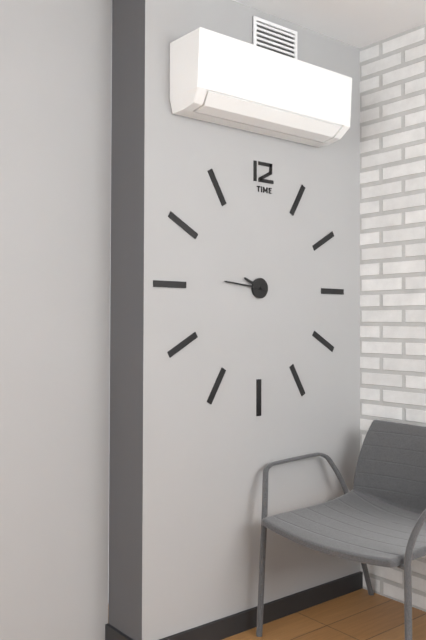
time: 9:46
